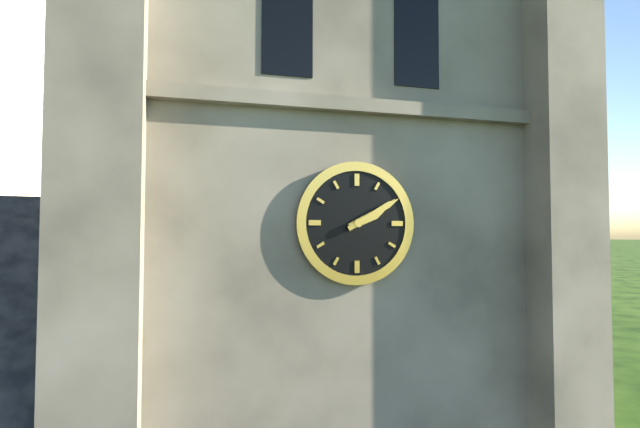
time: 2:10
